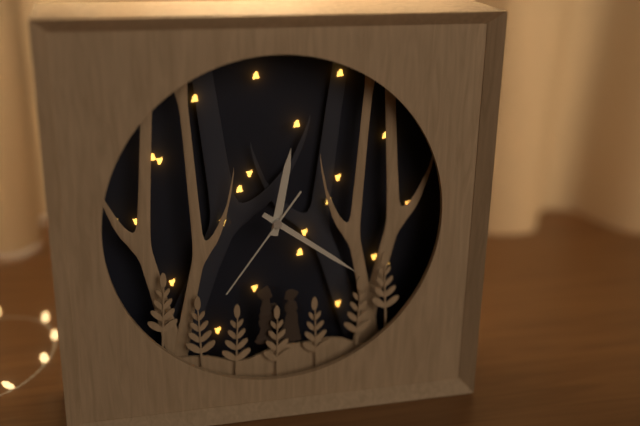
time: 12:21:36
